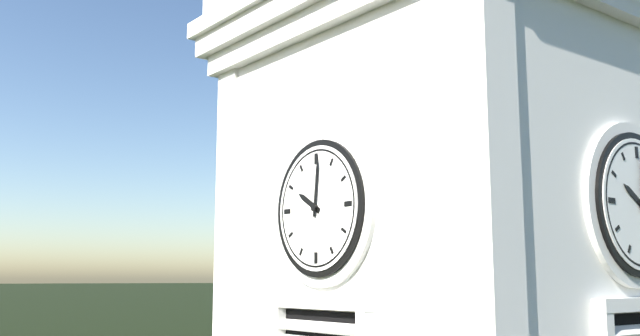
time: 10:01
